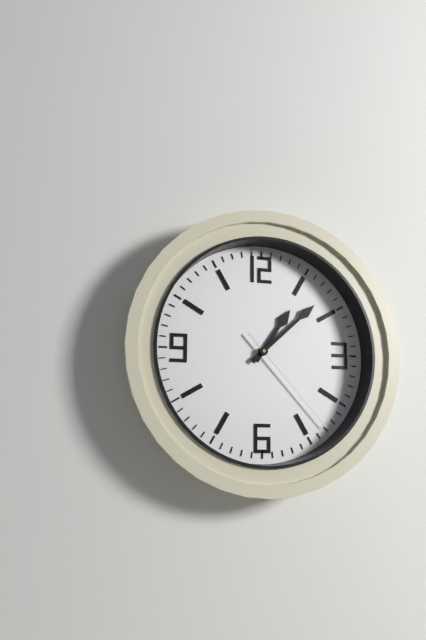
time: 1:08:23
